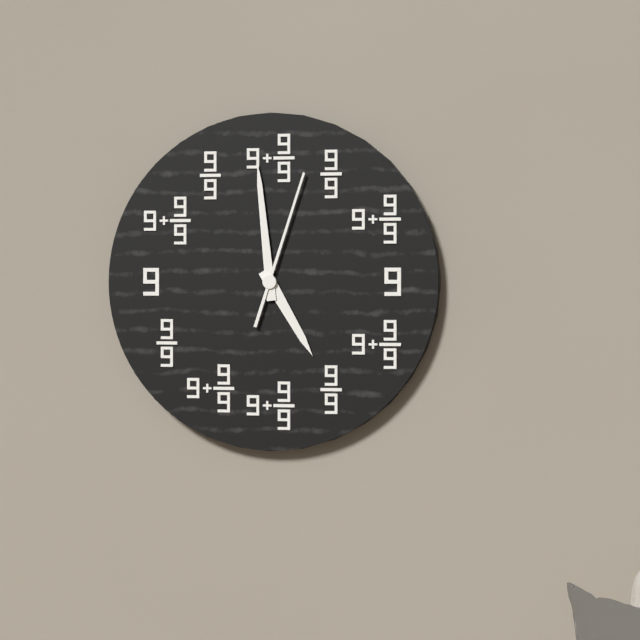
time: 4:59:03
